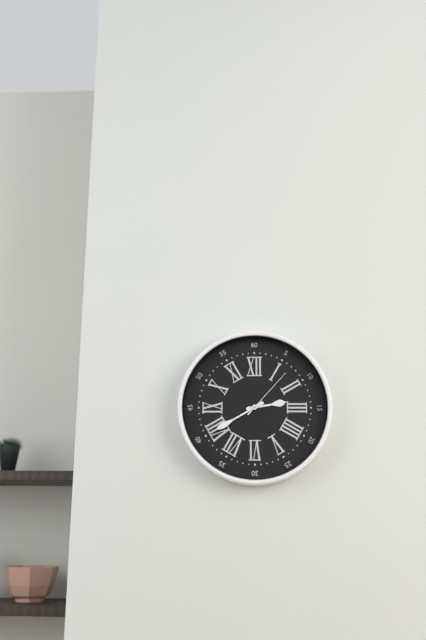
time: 2:40:07
